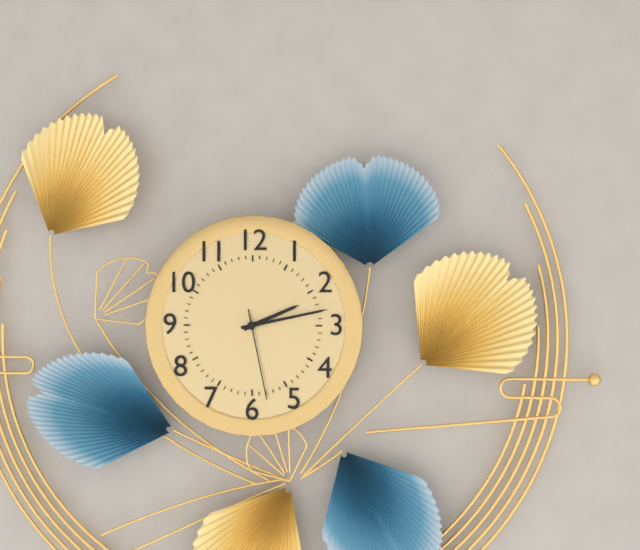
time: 2:13:28
